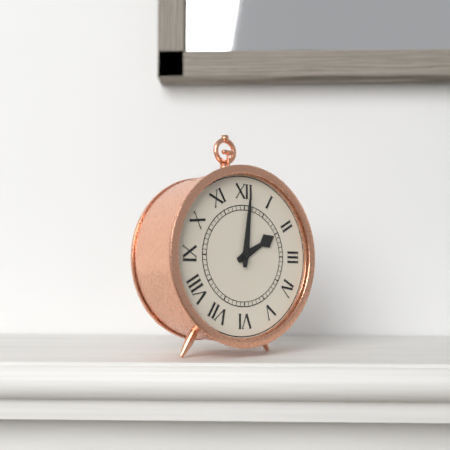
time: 2:01
